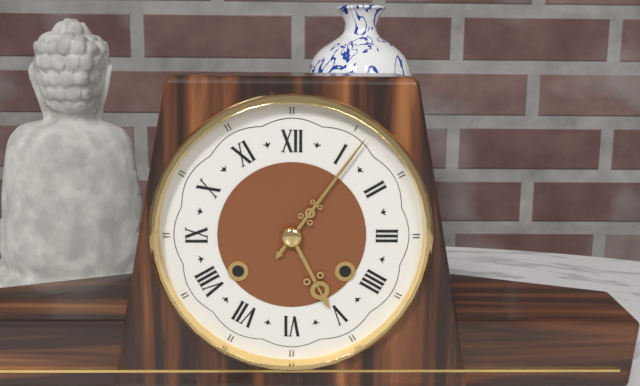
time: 5:06
